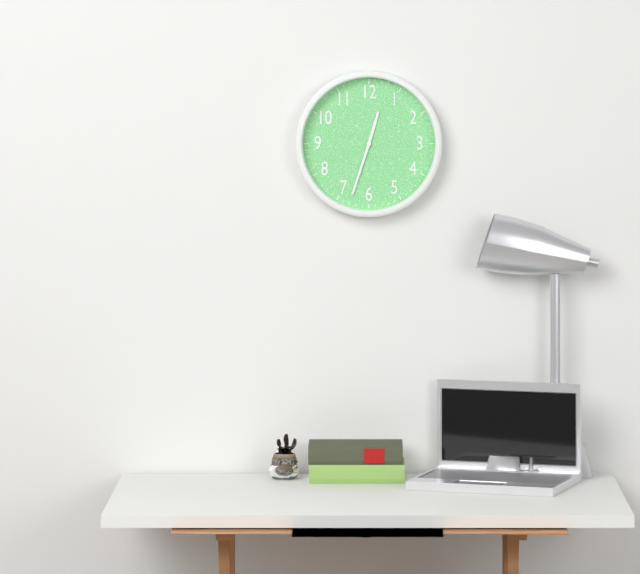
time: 12:33
